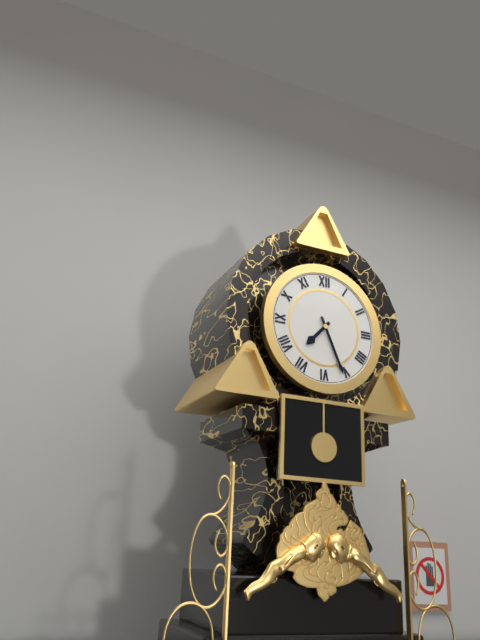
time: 7:26
